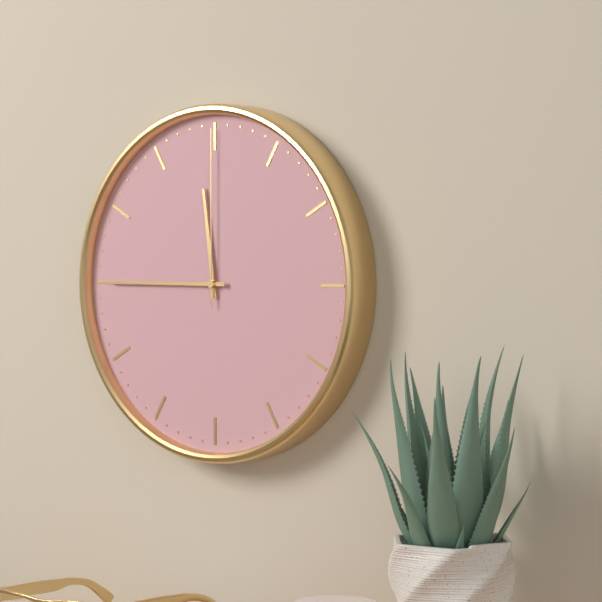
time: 11:45:00
